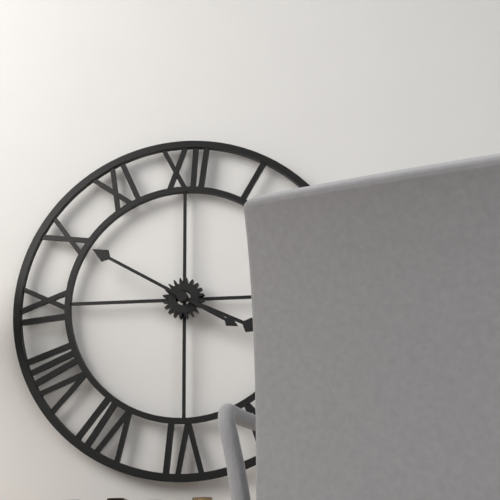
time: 3:50
